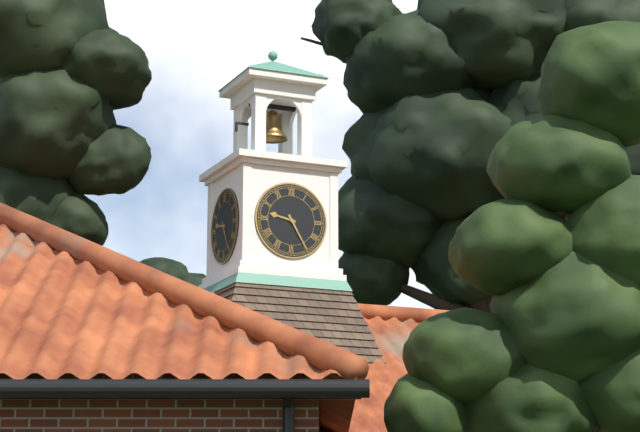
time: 9:25
